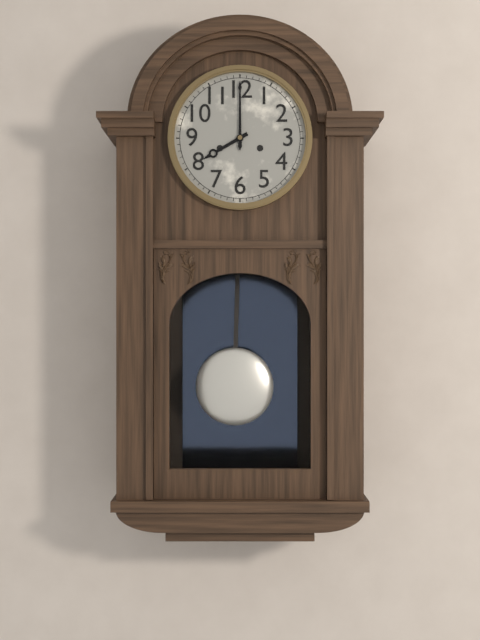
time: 8:00
